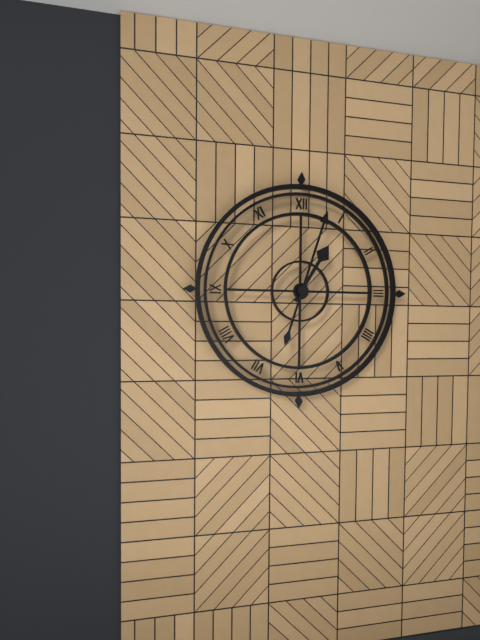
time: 1:03
